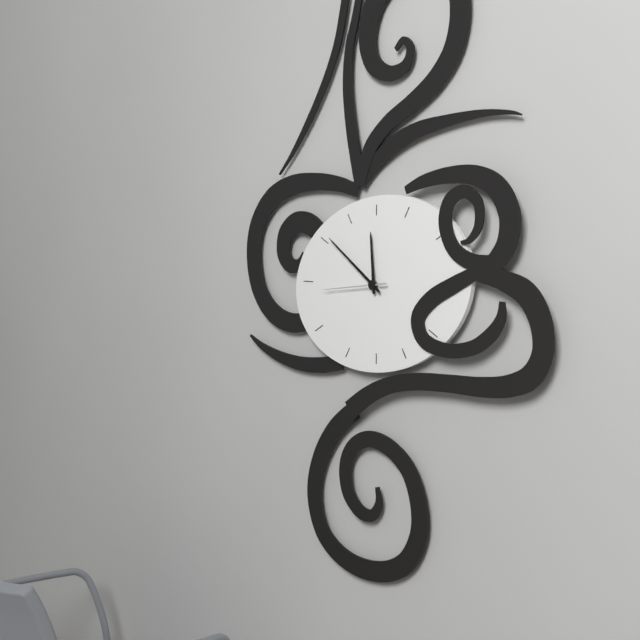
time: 11:51:44
